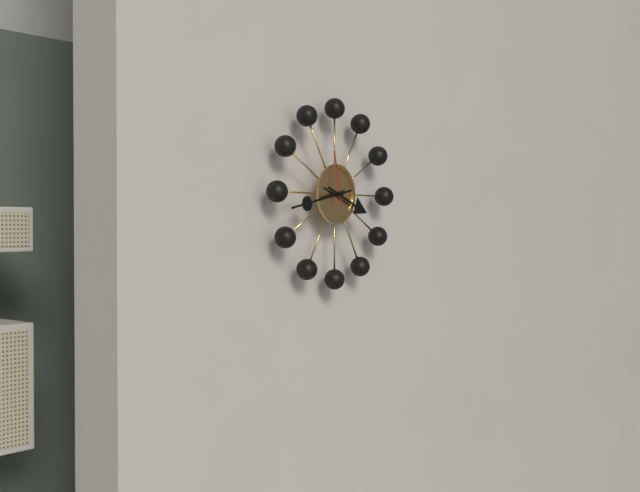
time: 3:43:58
